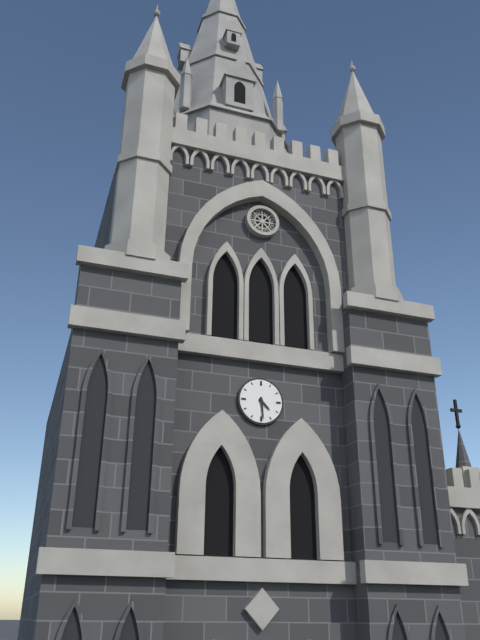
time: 4:29
